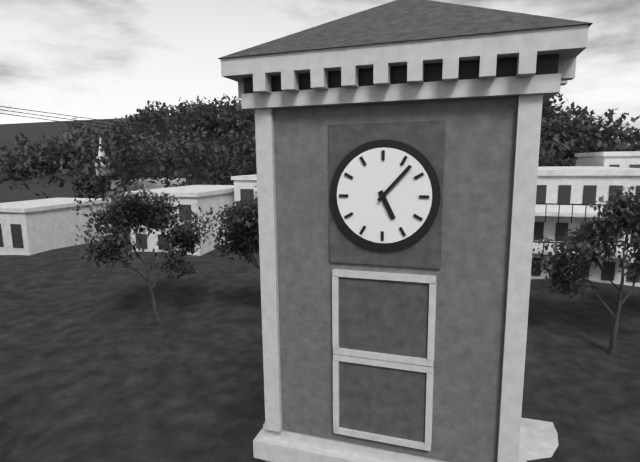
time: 5:07
